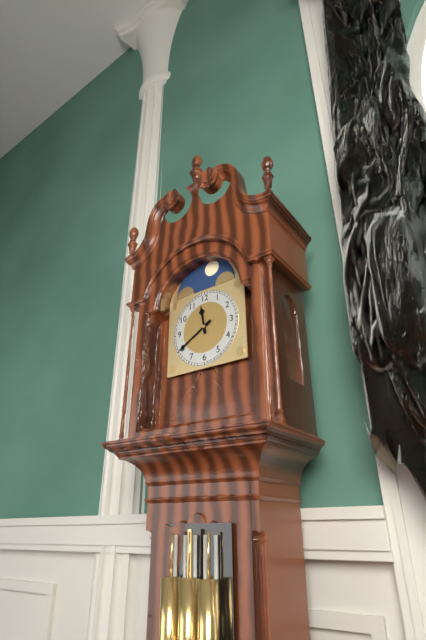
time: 11:40
